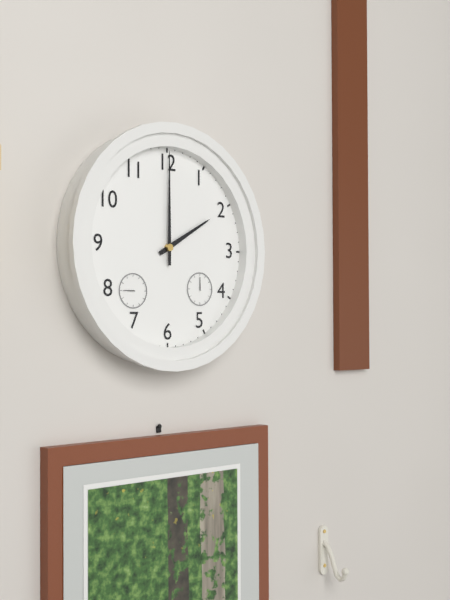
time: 2:00
